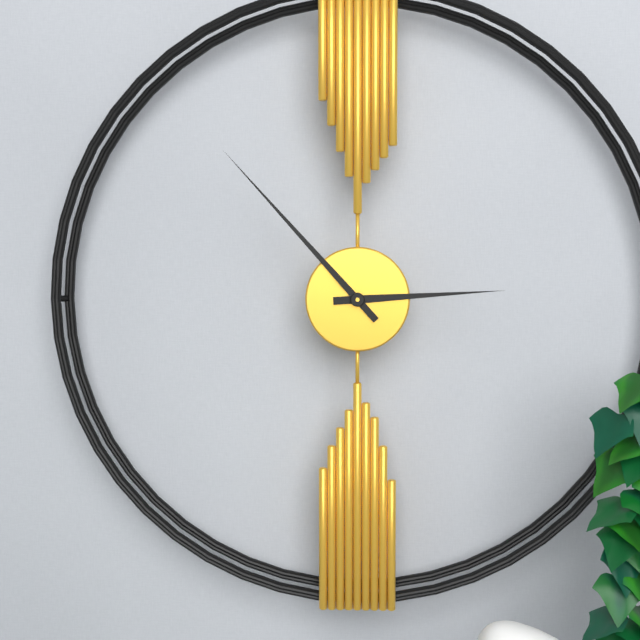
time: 2:53
